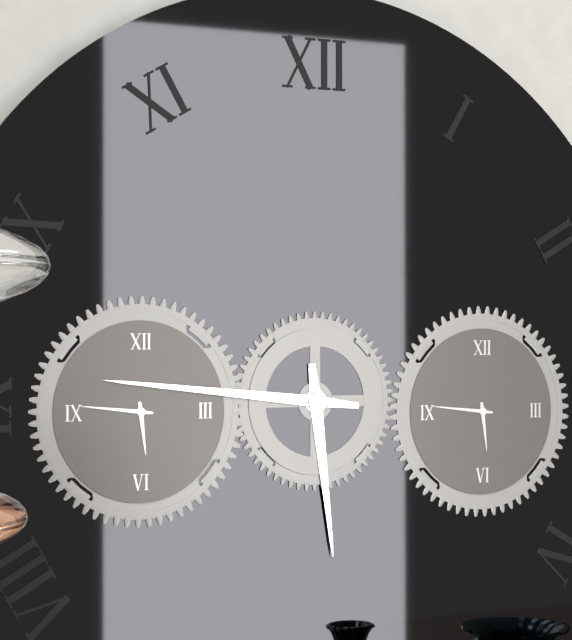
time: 5:46
